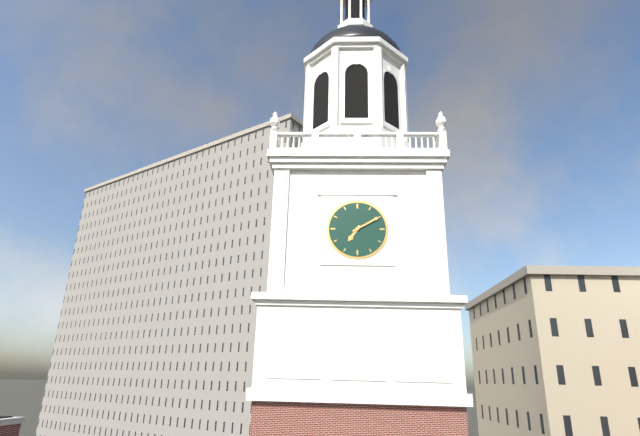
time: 7:10
